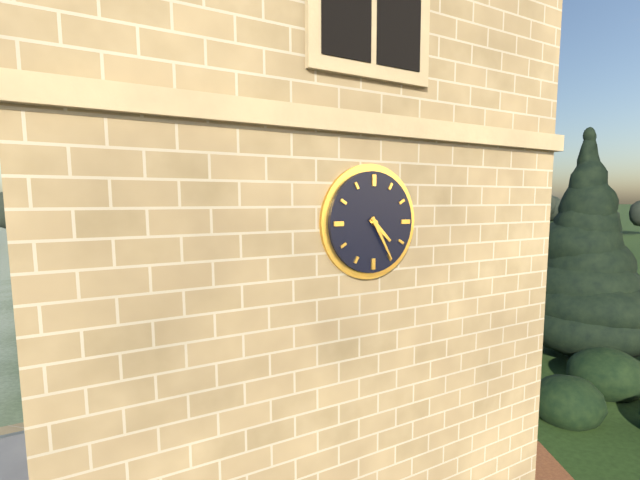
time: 4:25
